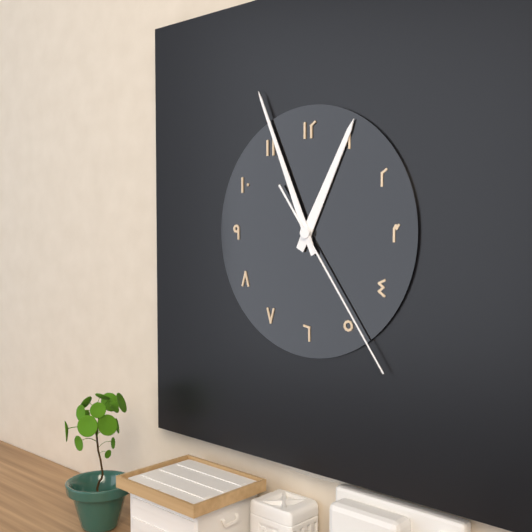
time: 12:56:24
